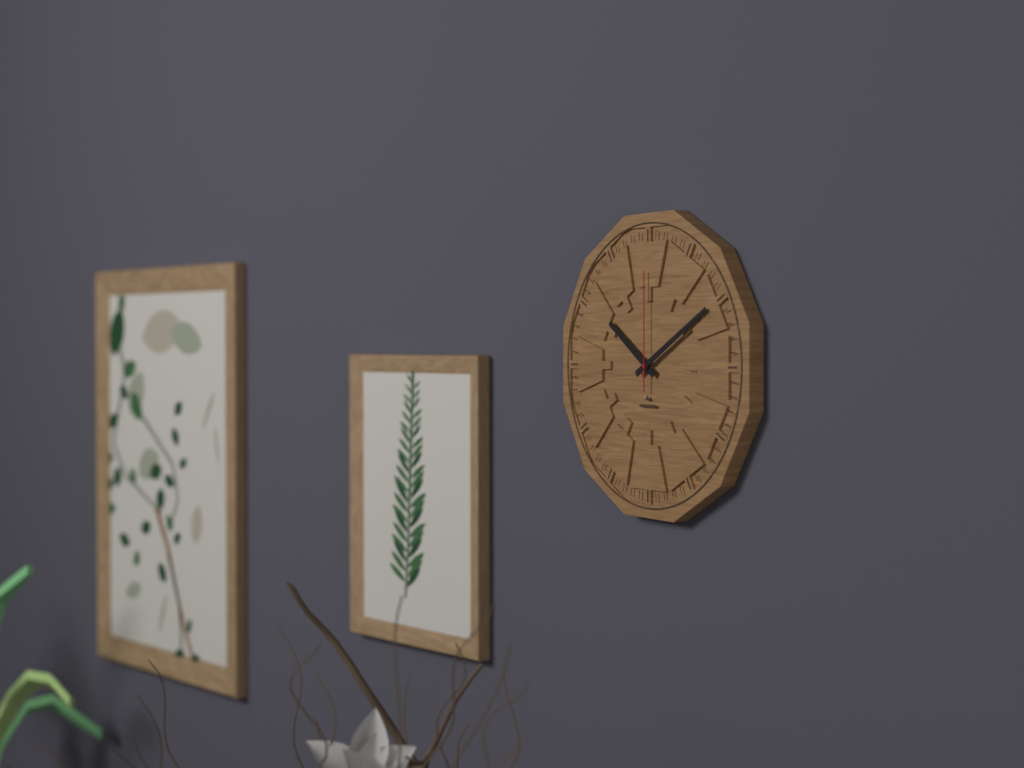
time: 10:10:00
